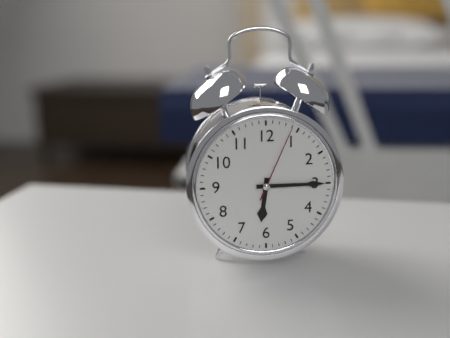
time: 6:15:04
